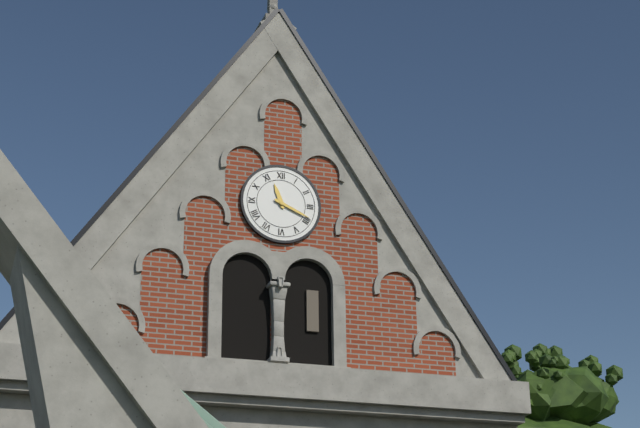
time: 11:19
